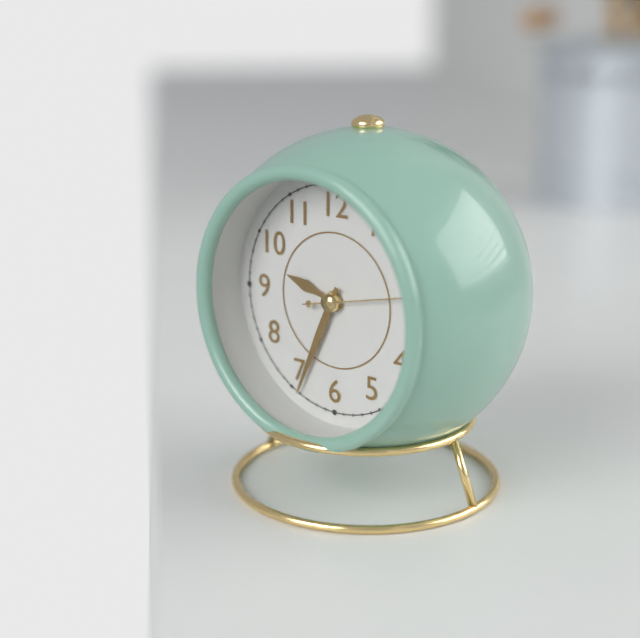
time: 9:34:13
